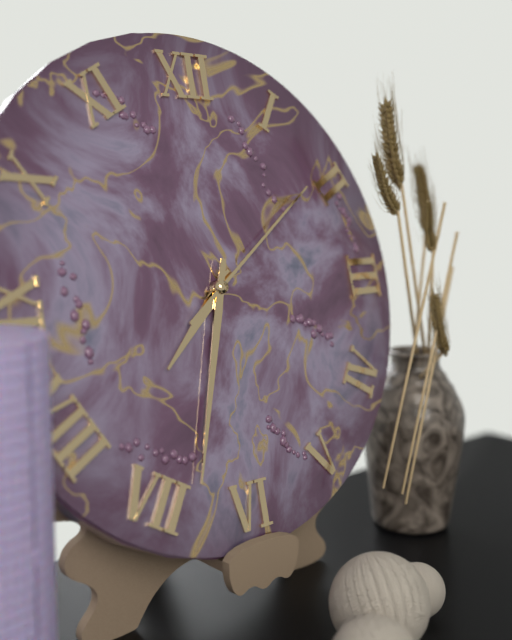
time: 7:33:09
